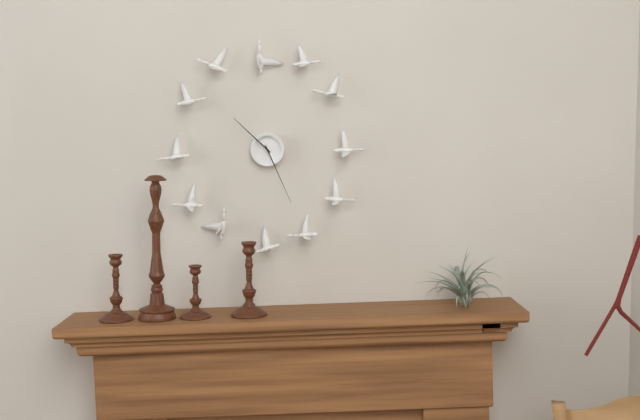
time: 10:26
